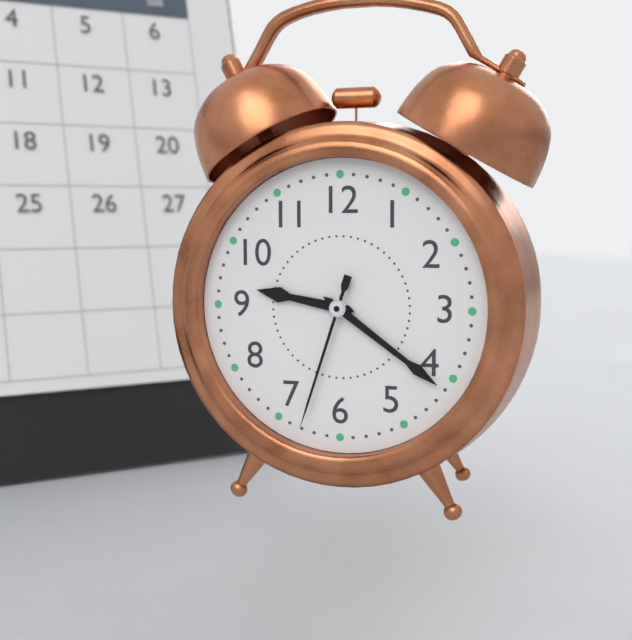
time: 9:21:33
